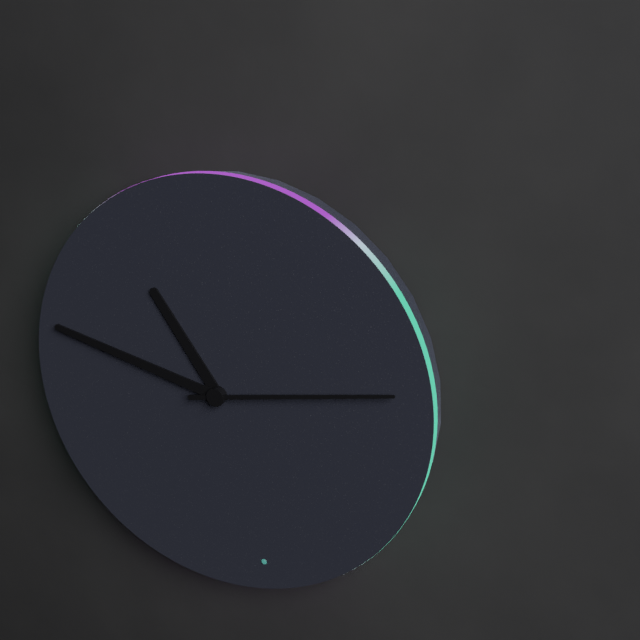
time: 10:47:13
